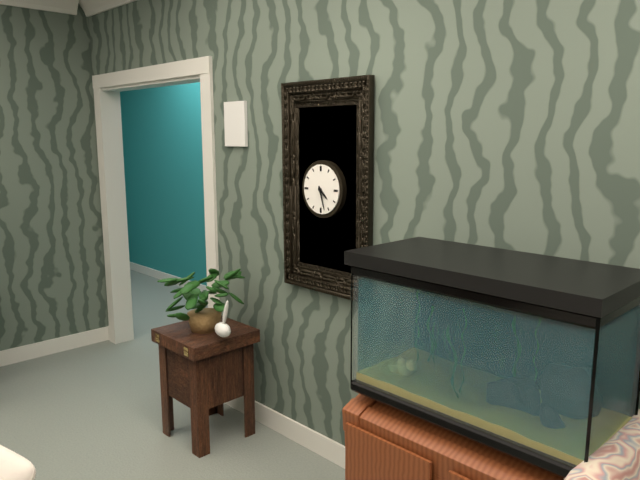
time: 4:27
